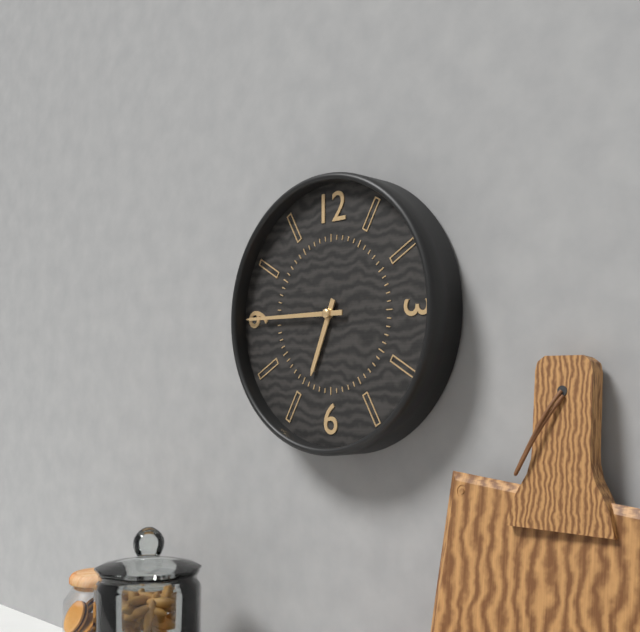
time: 6:45
